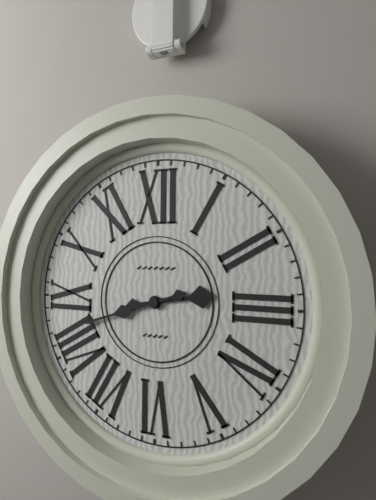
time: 2:42
